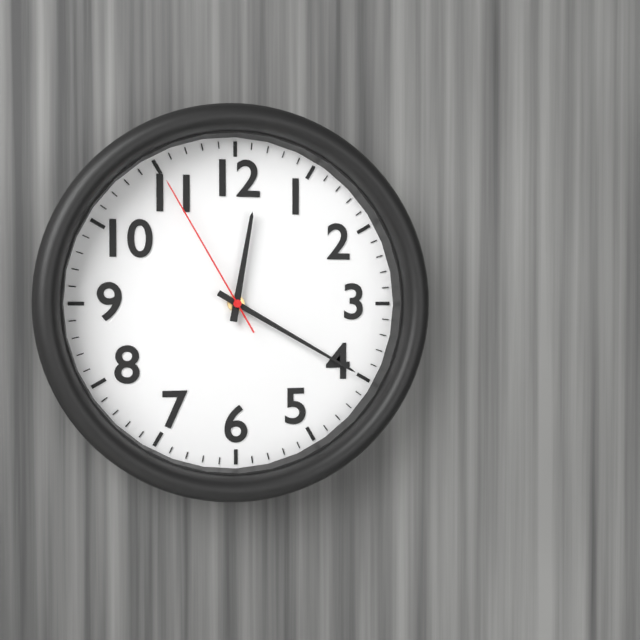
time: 12:20:55
